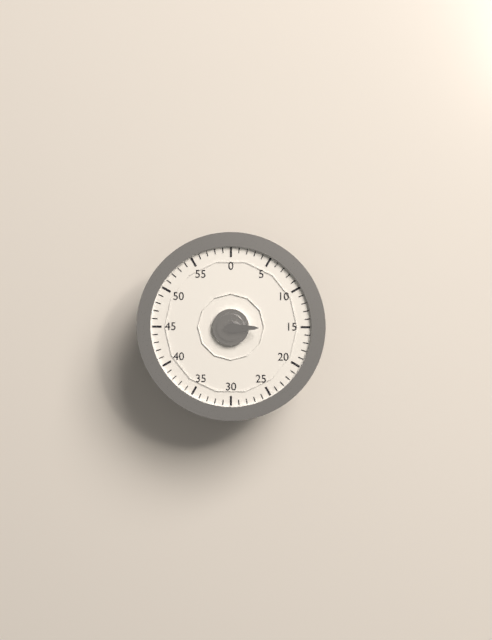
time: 3:15
